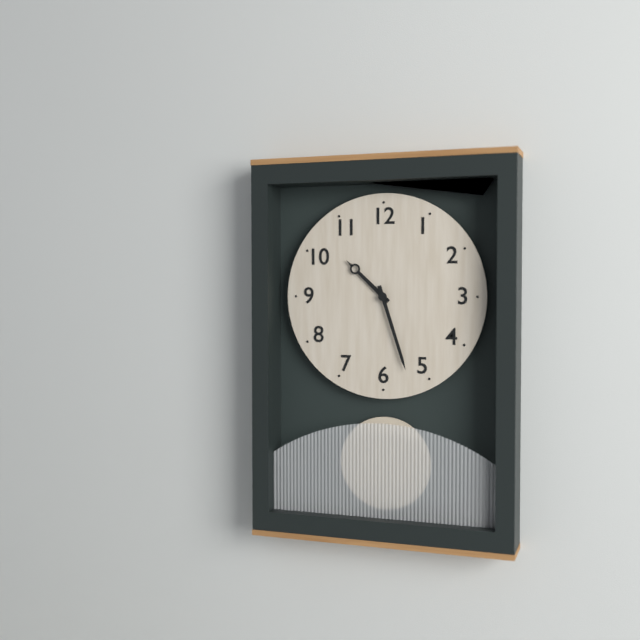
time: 10:27
